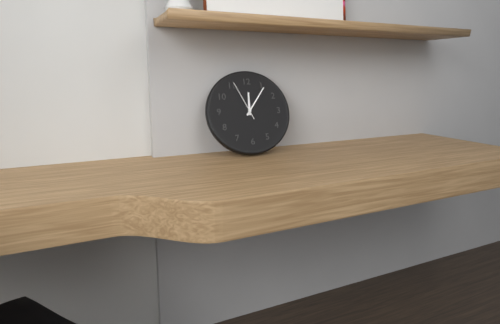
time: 12:06
